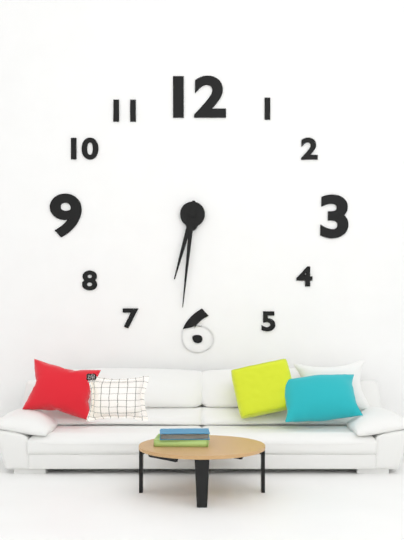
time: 6:31
